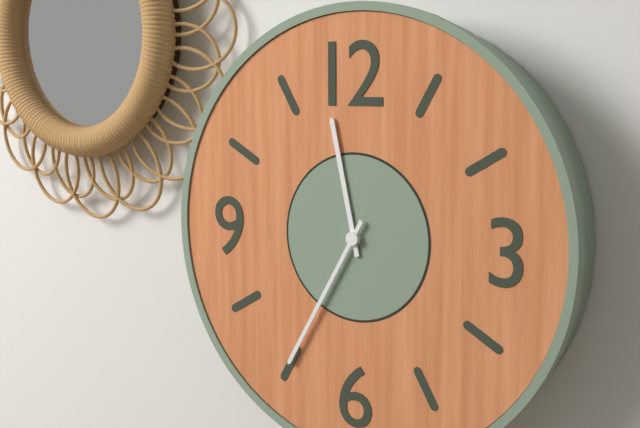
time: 11:35
